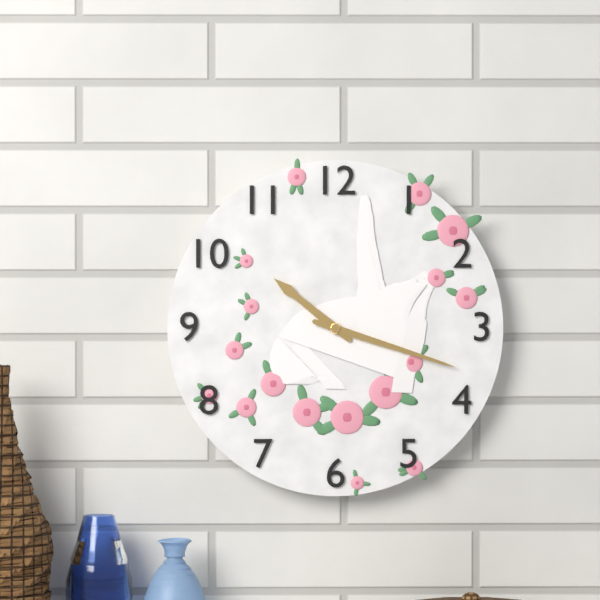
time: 10:18
